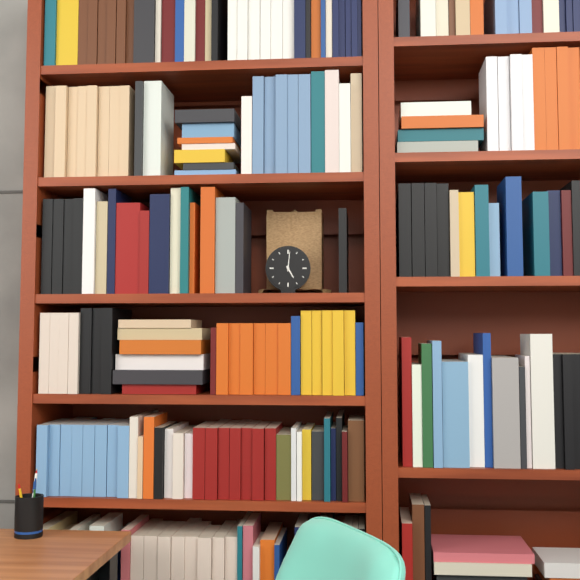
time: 5:01
